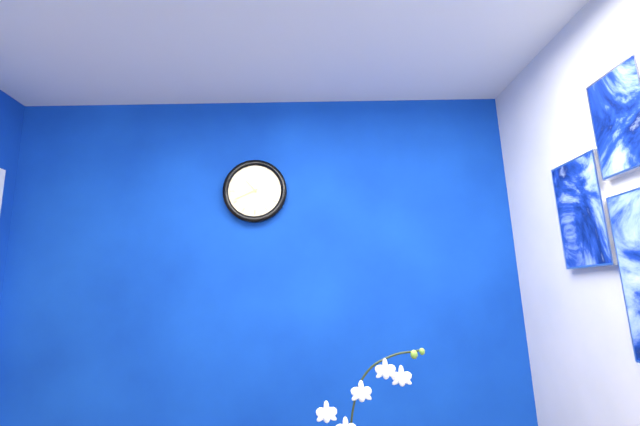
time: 10:41
